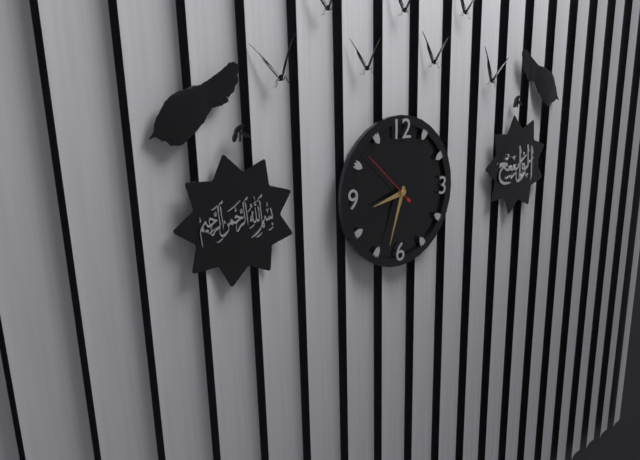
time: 8:33:52
